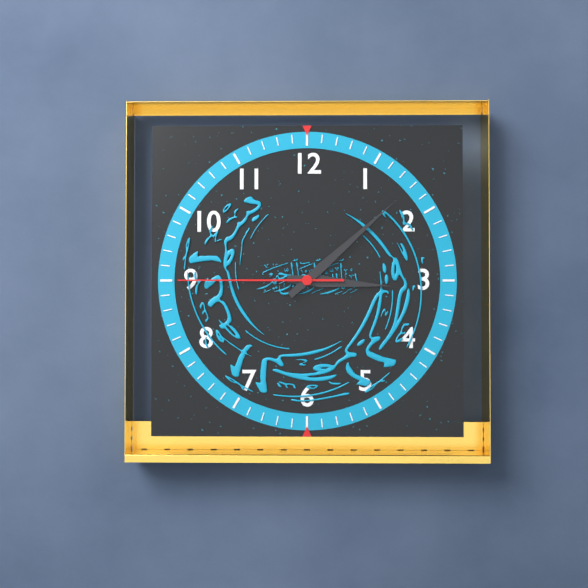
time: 3:08:45
